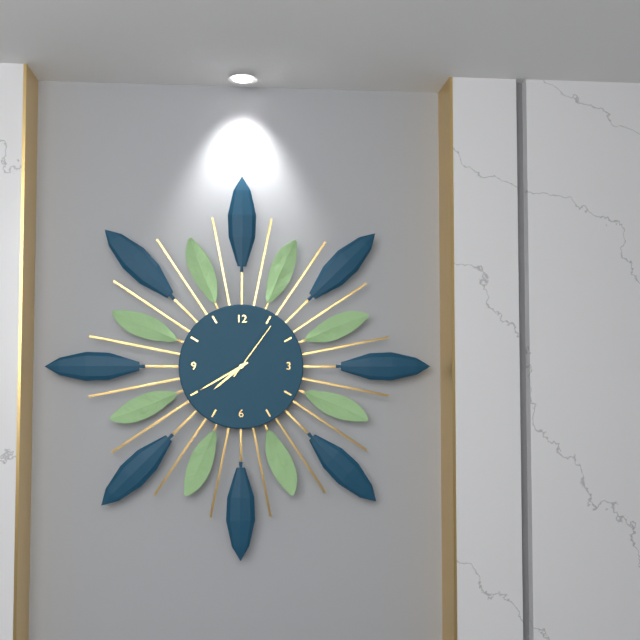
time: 7:40:06
